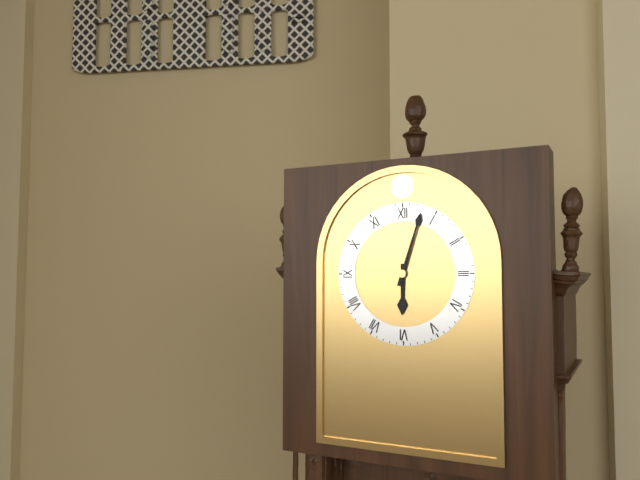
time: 6:03
